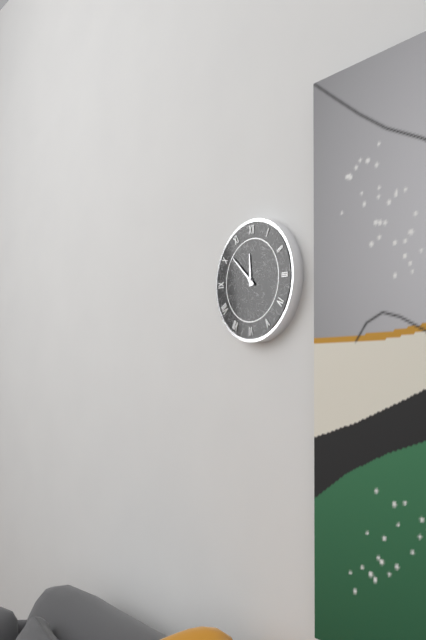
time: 11:52
